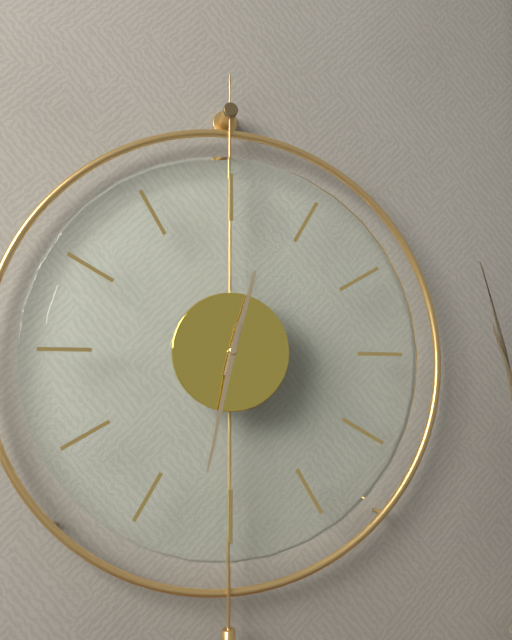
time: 12:32
